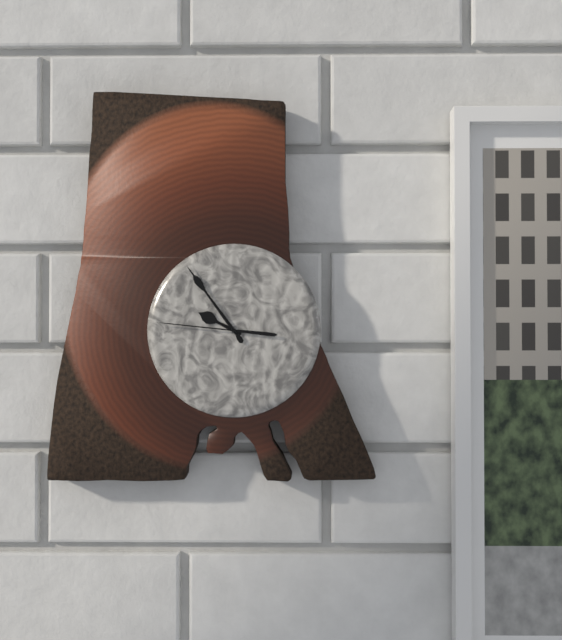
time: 9:54:46
